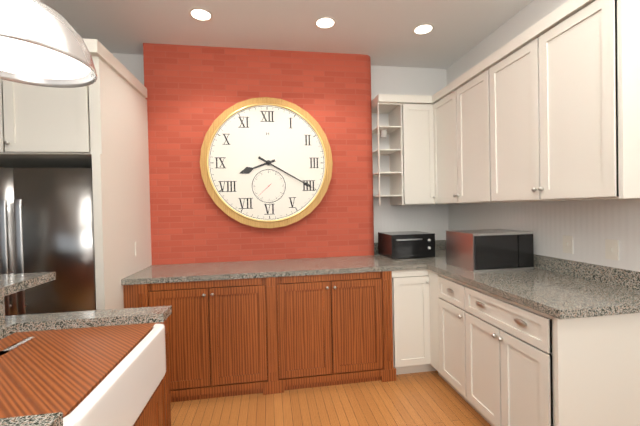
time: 8:20
